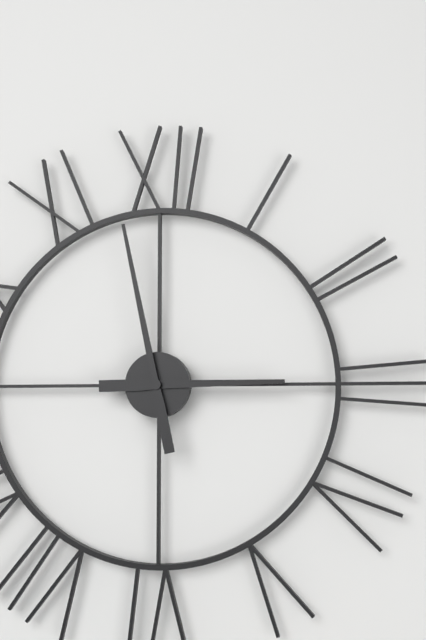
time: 2:58
